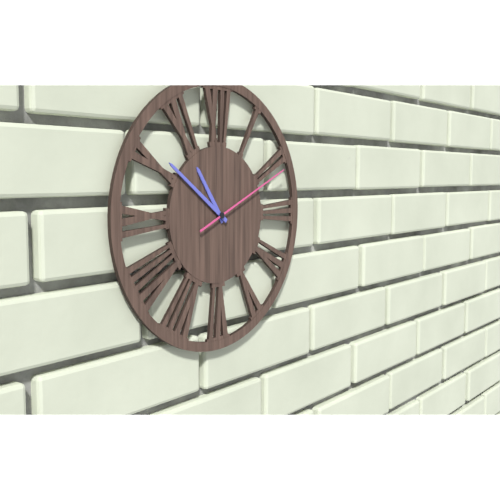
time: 10:51:11
